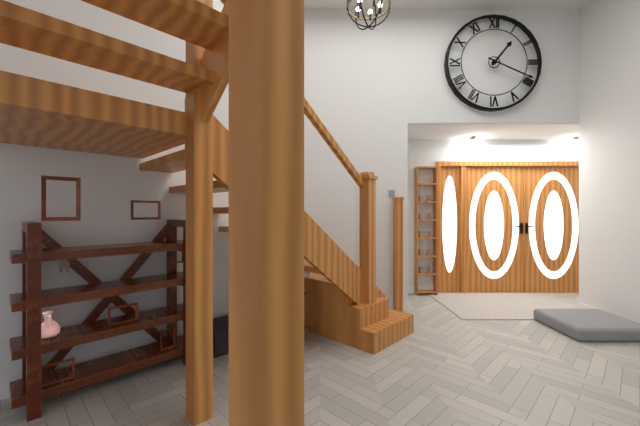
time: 1:19
